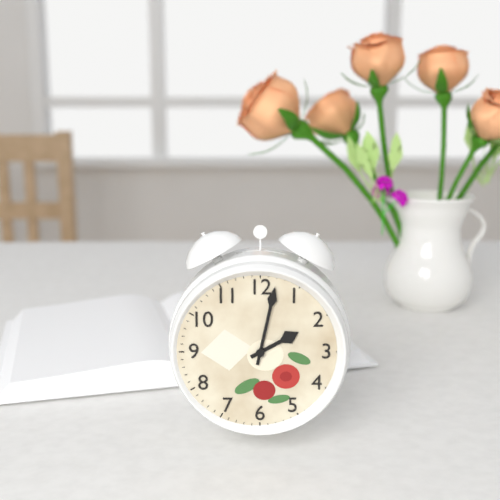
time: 2:02
